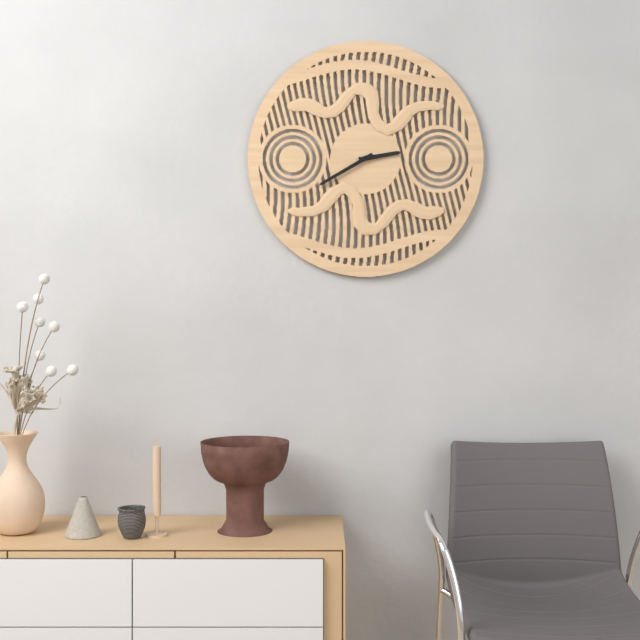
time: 2:40
